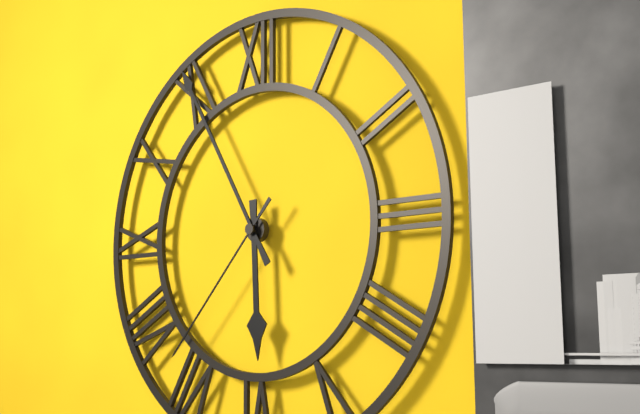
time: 5:55:37
